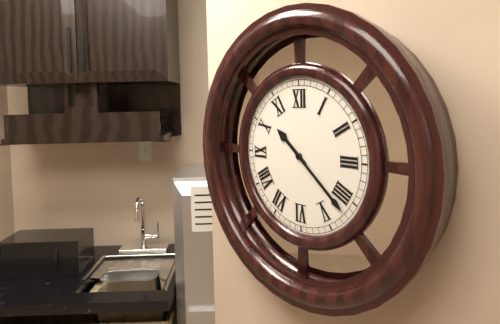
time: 10:22
